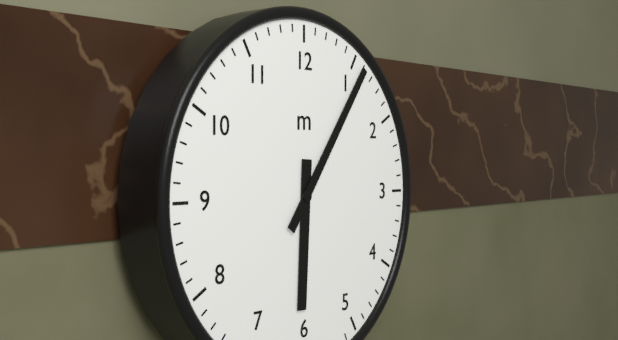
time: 6:06
